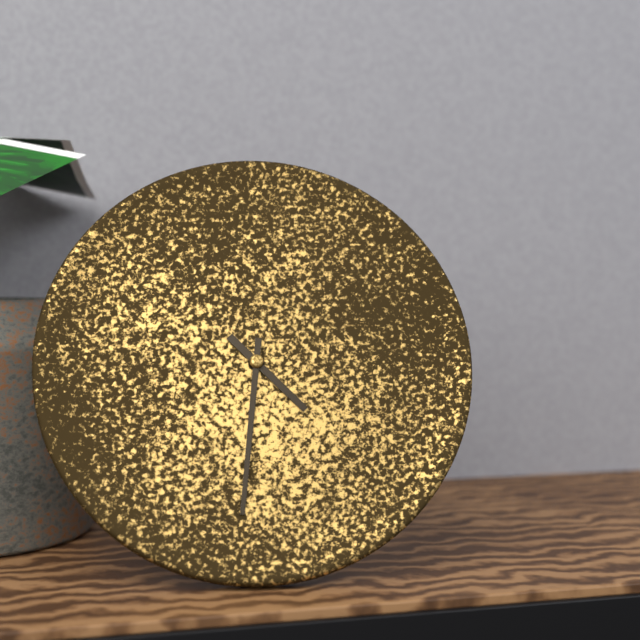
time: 4:31
